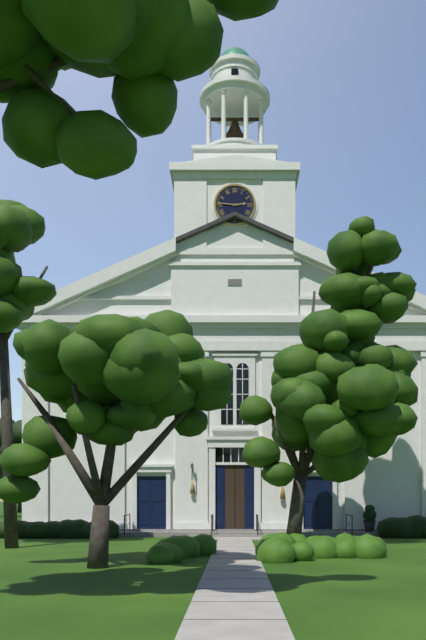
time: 2:46
